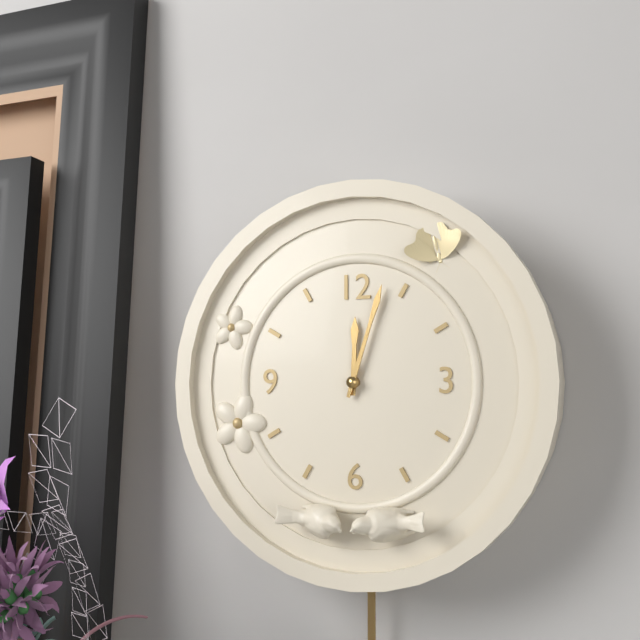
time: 12:03
